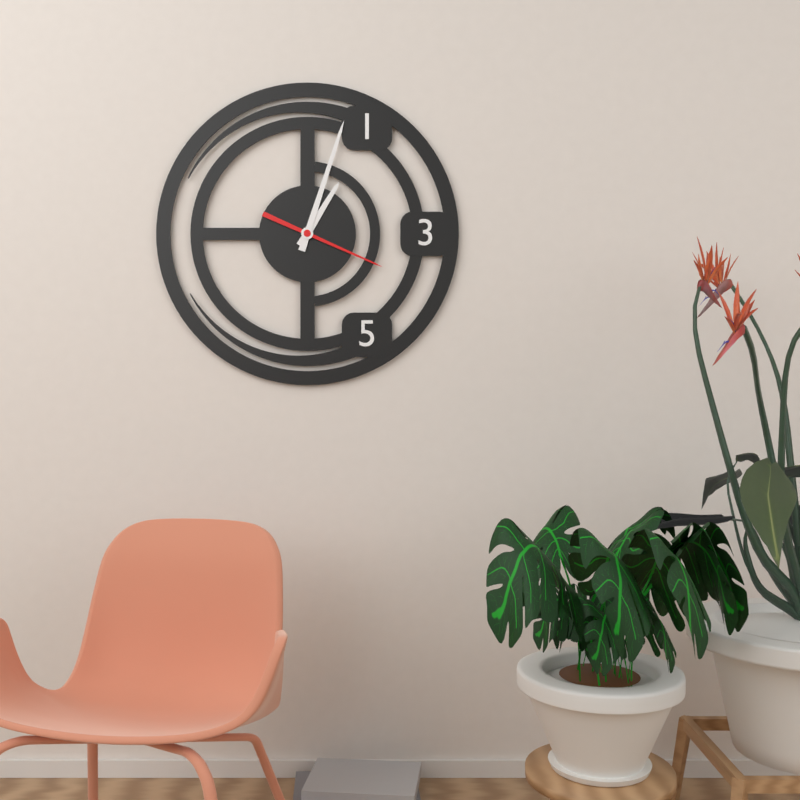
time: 1:03:19
